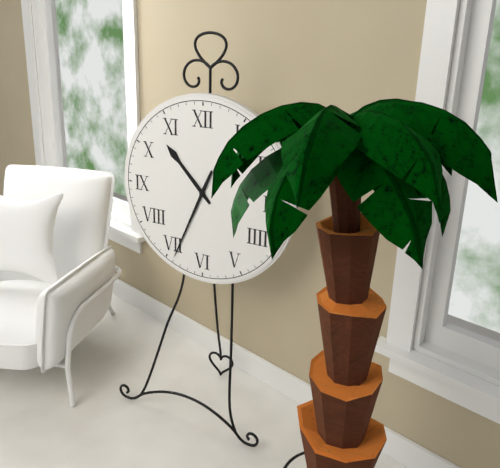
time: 10:34
